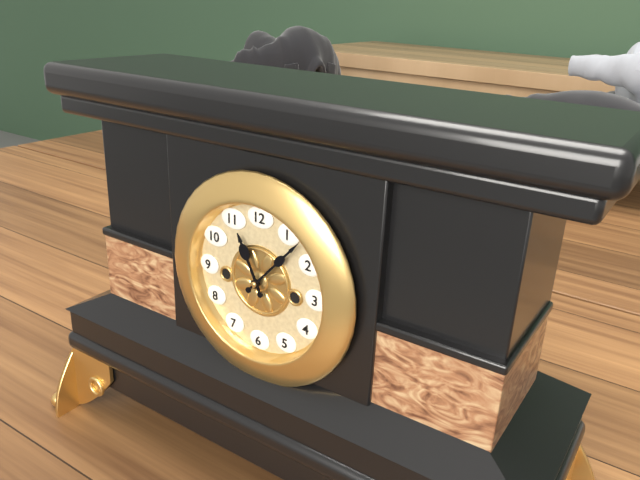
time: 11:07
